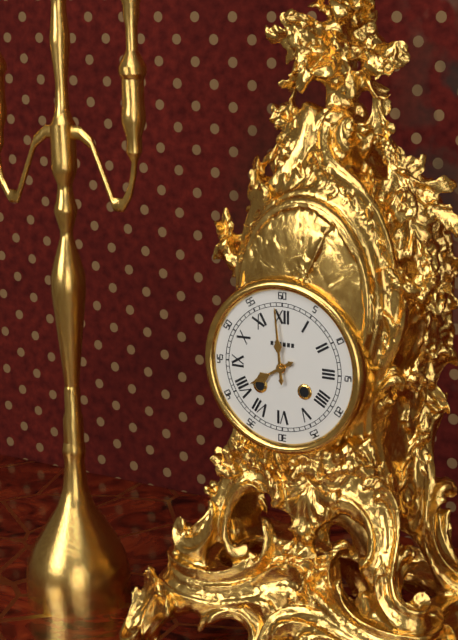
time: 7:59
